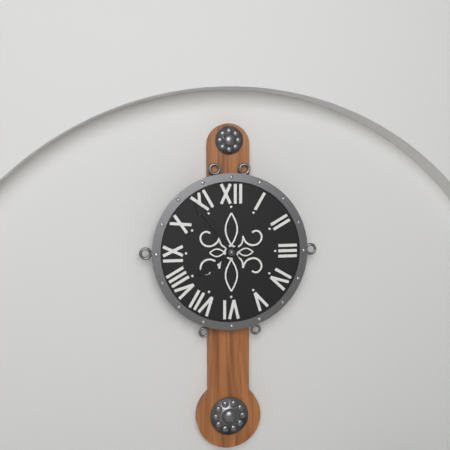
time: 7:54
